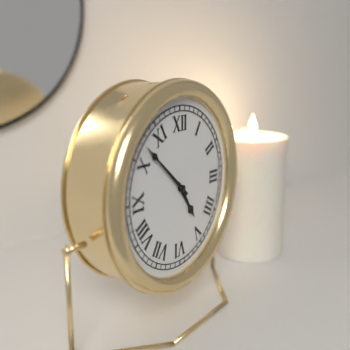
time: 4:52
